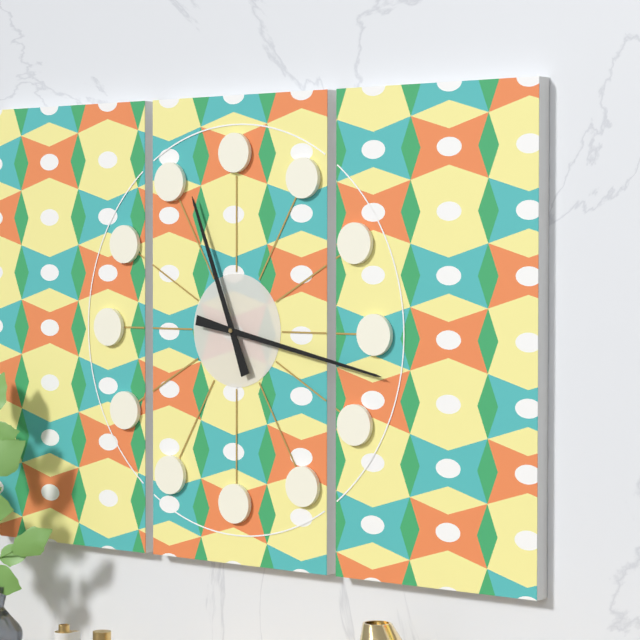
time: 11:17
